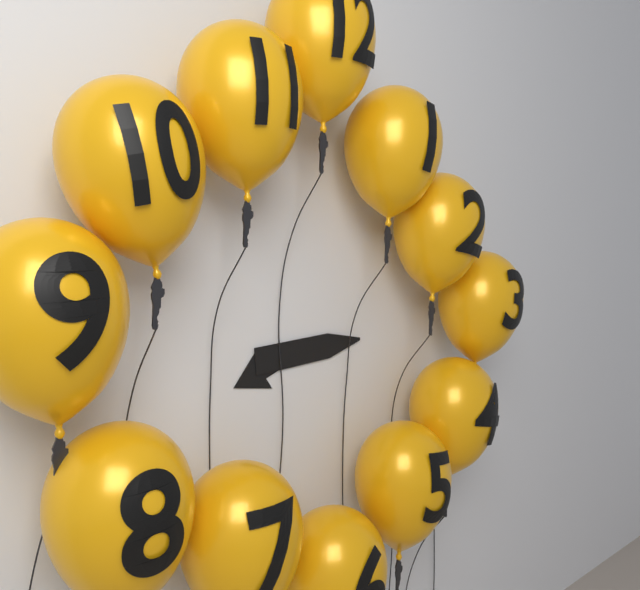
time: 8:14
